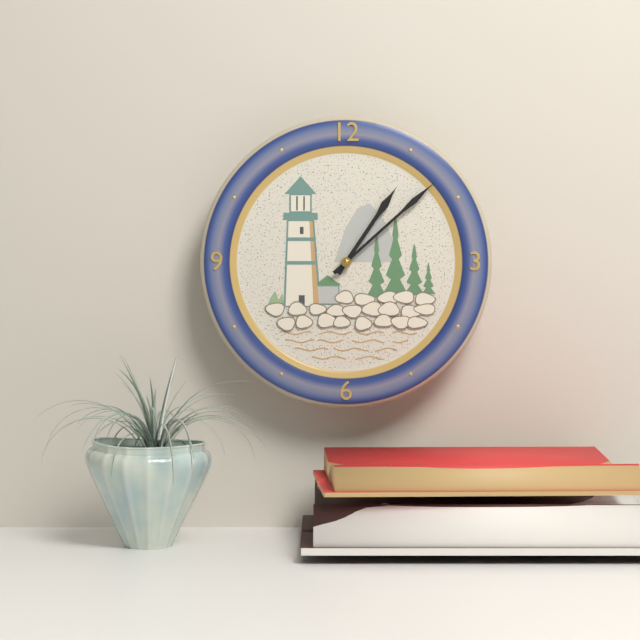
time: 1:08
